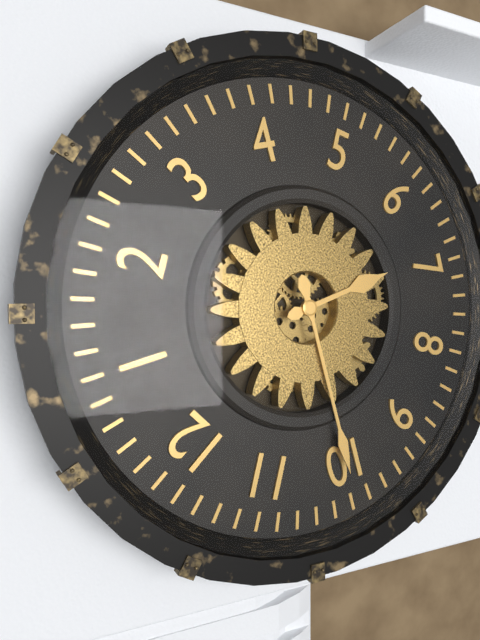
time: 6:50
